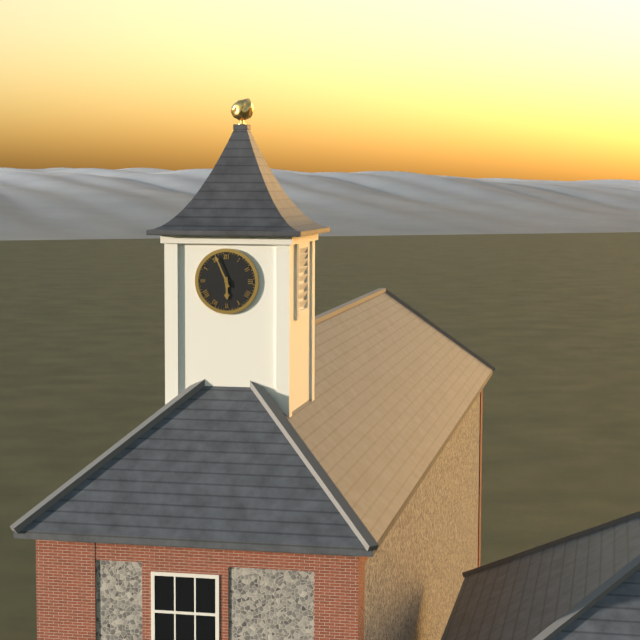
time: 5:56
